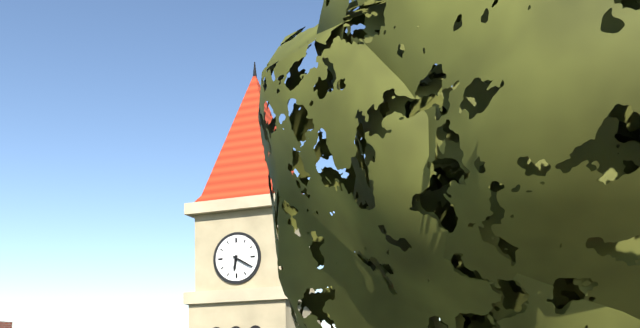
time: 6:20
